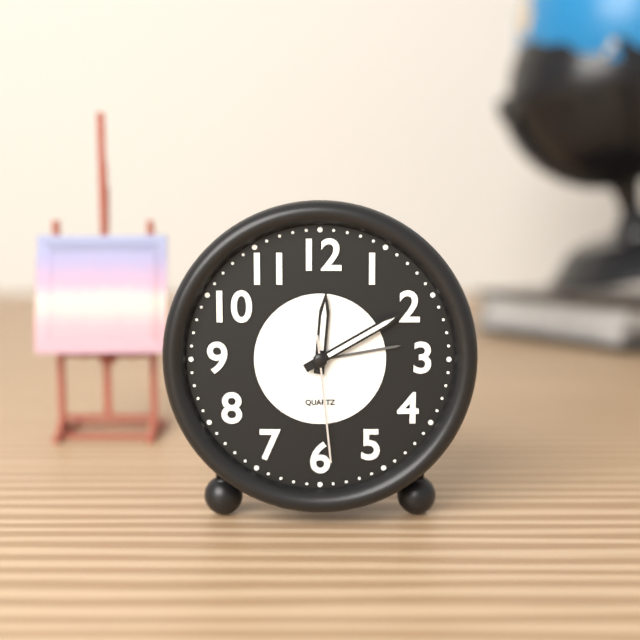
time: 12:10:29
